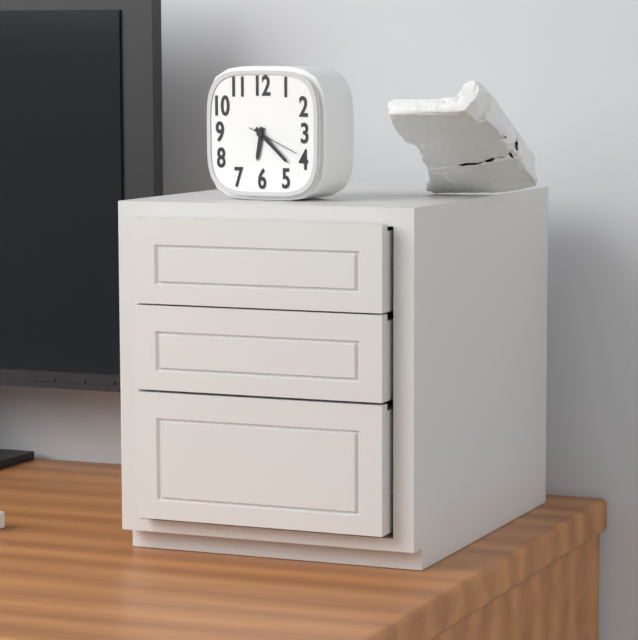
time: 6:22:19
